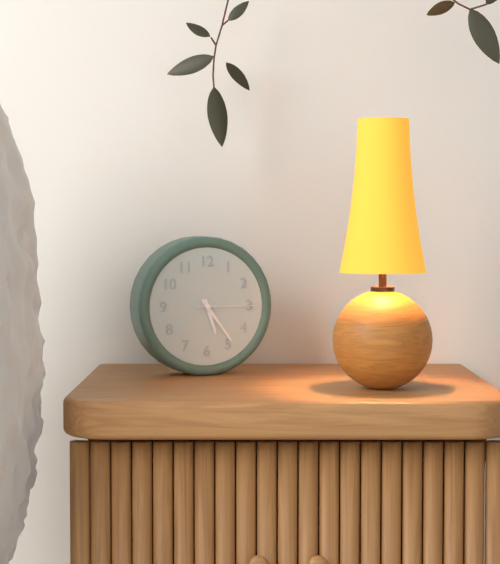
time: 5:24:15
